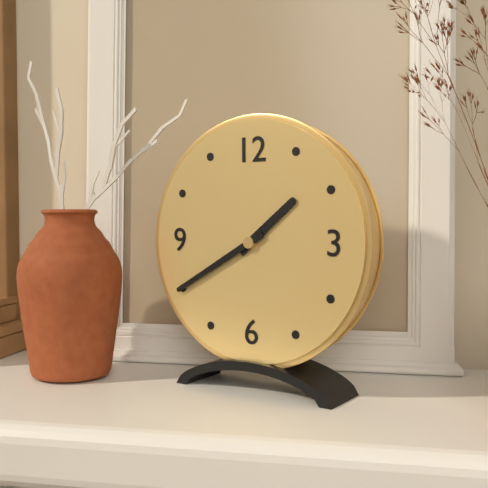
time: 1:40
